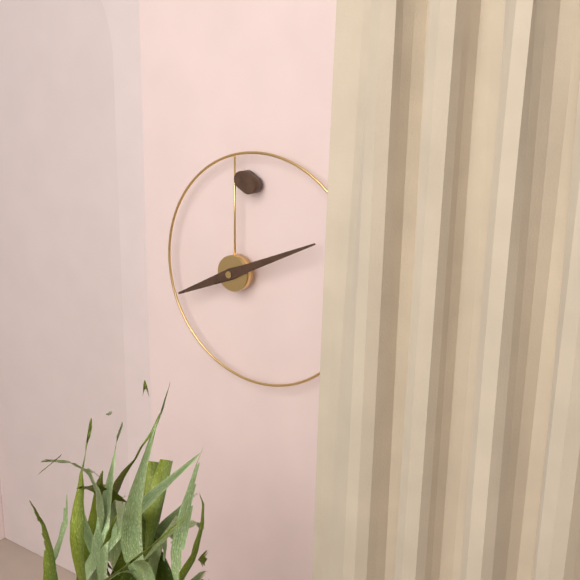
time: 8:11
